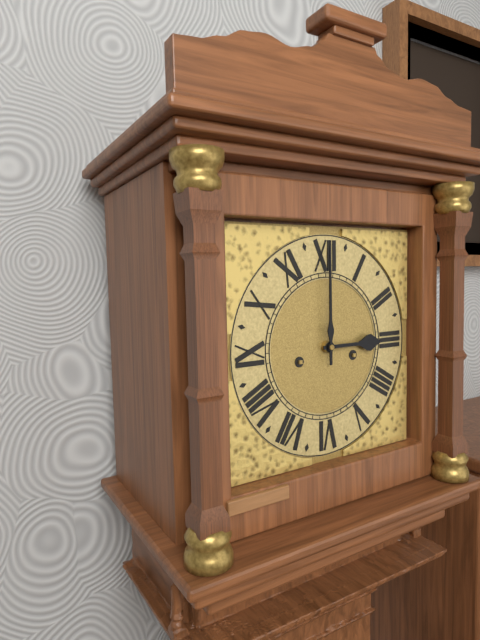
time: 3:00
